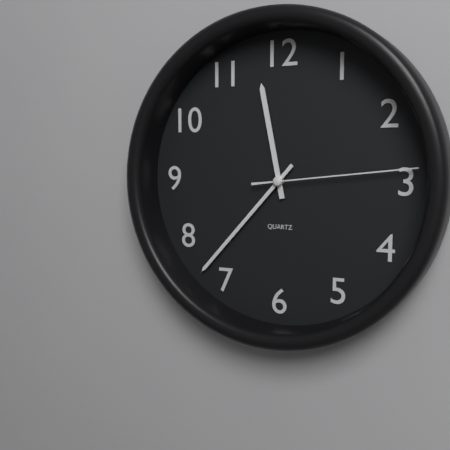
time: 11:37:14
